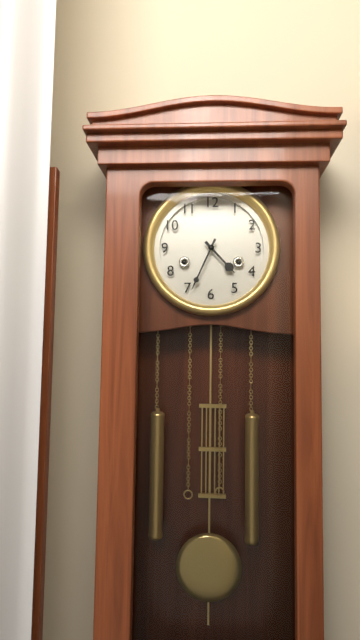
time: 4:34
